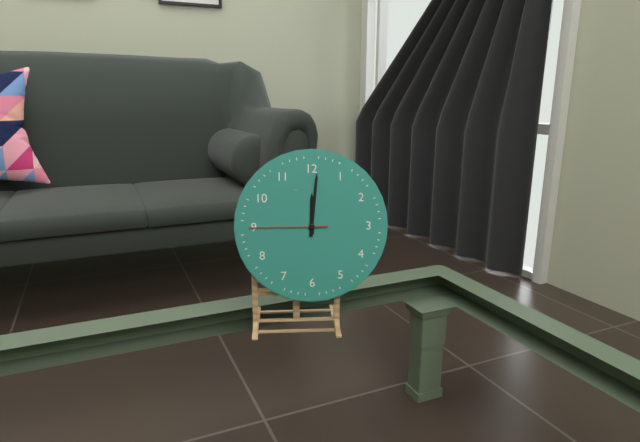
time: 12:01:45
